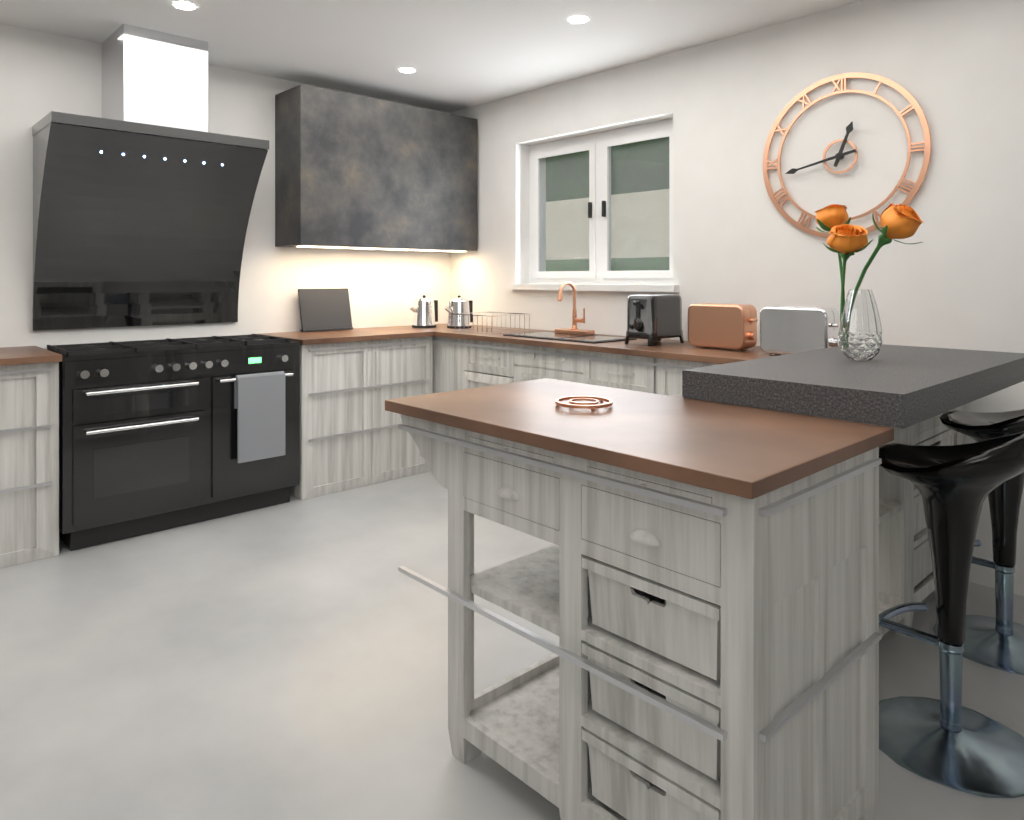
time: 12:43
